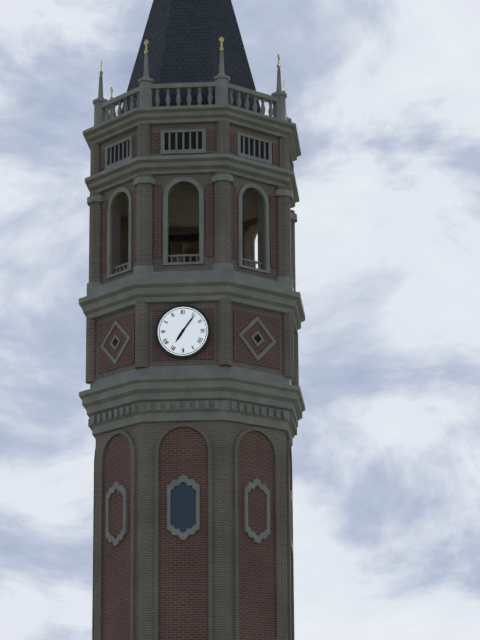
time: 7:06
